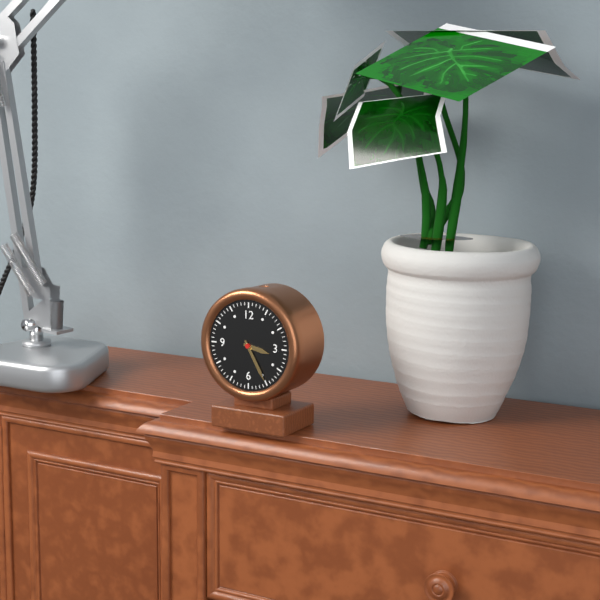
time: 3:25
